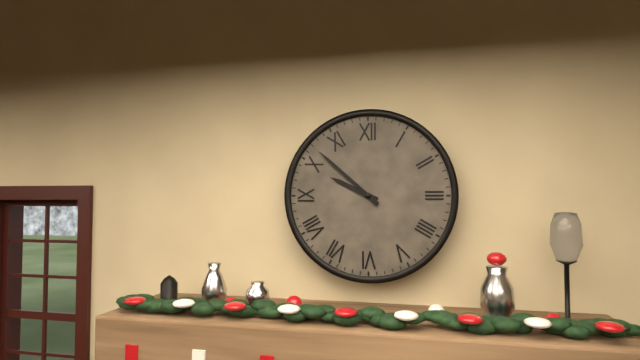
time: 9:52
